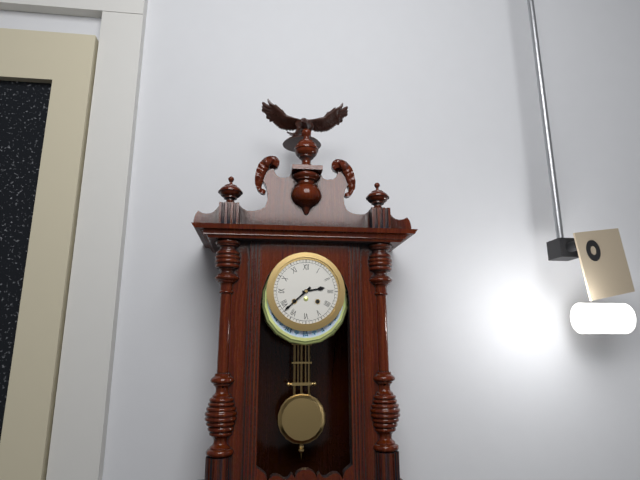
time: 2:38
